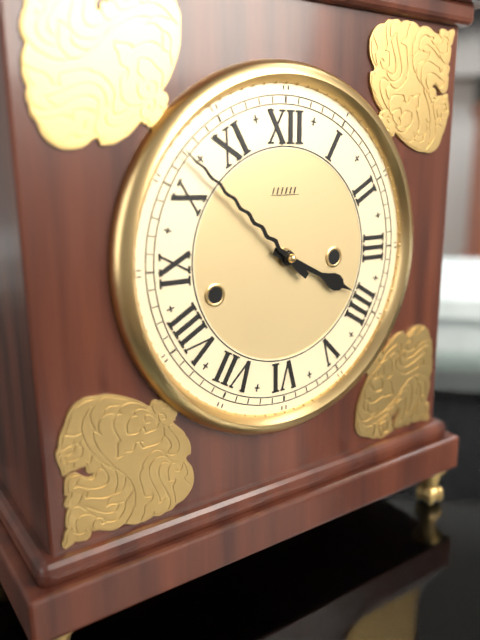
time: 3:52
